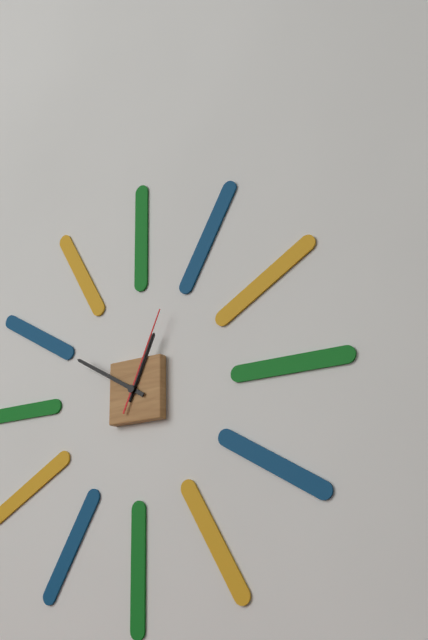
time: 12:50:04
